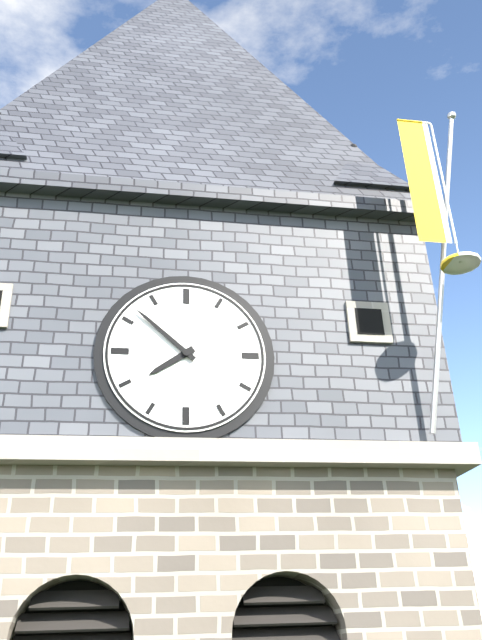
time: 7:52
